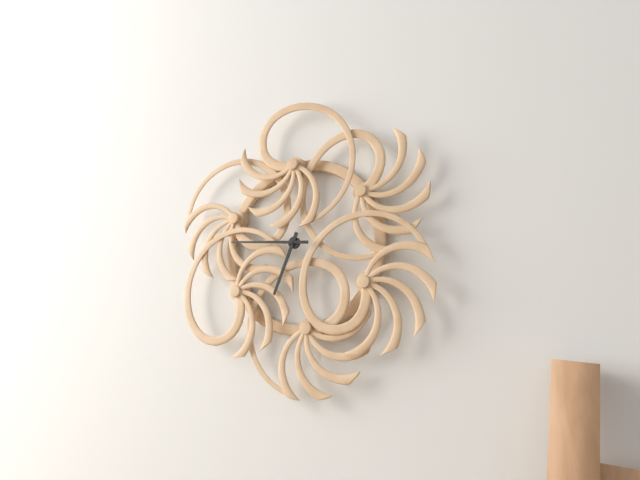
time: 6:46
